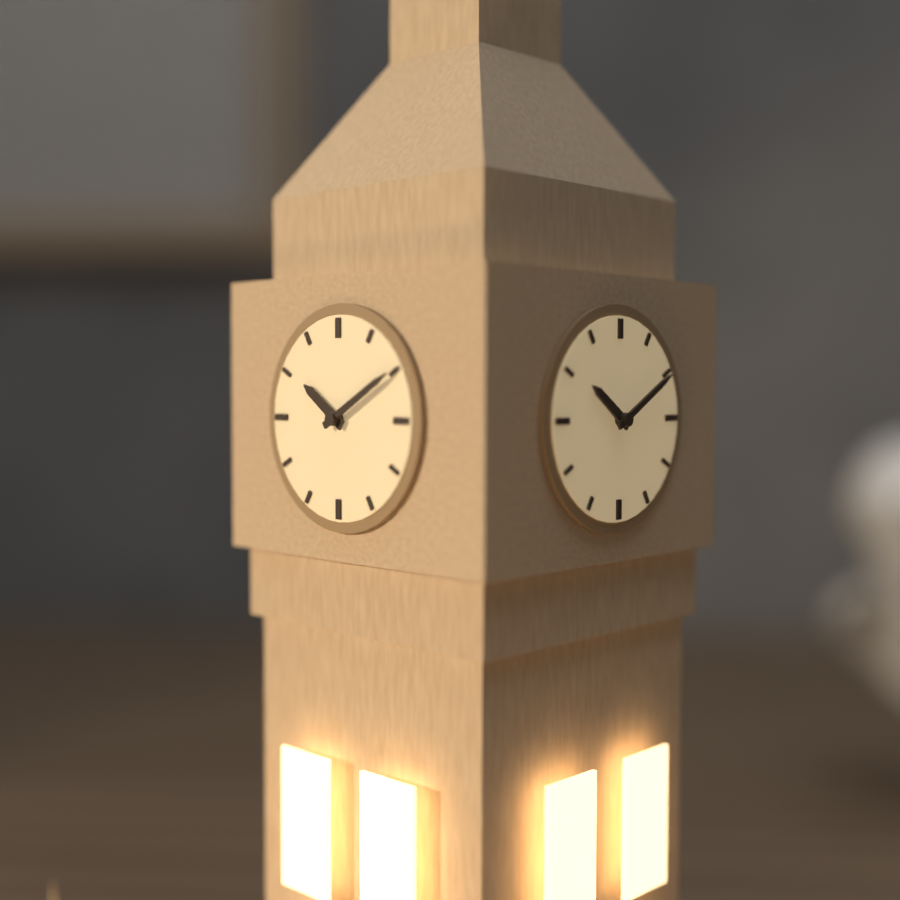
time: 10:10
